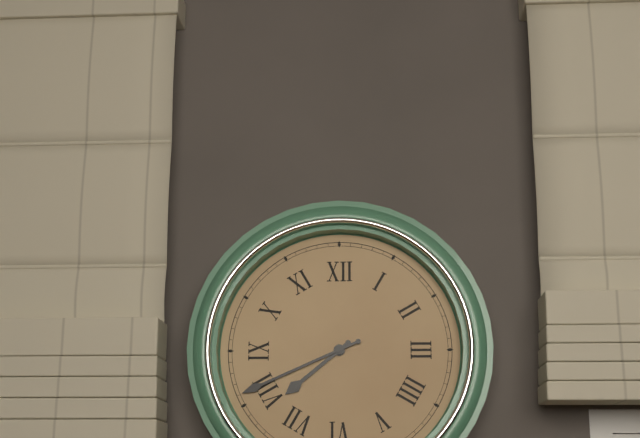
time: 7:41
